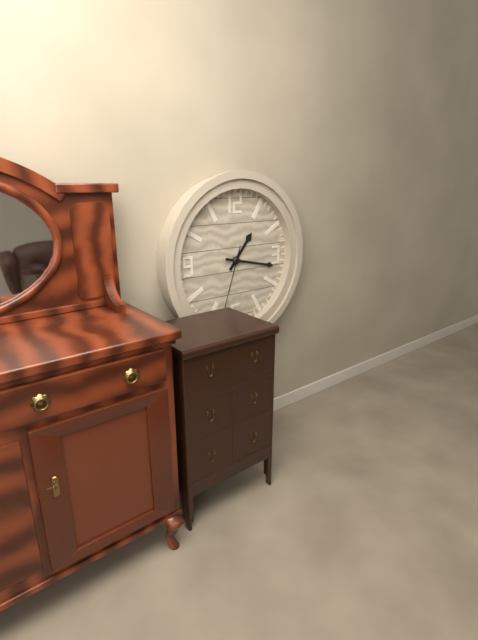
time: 1:17:33
